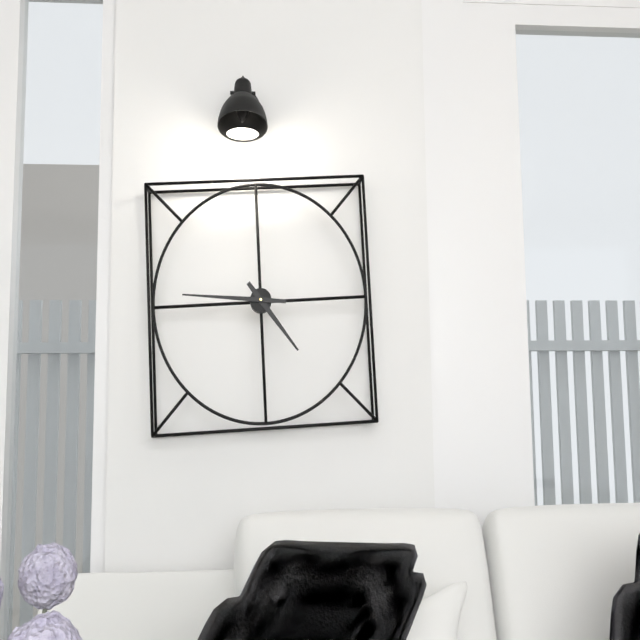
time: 4:46
